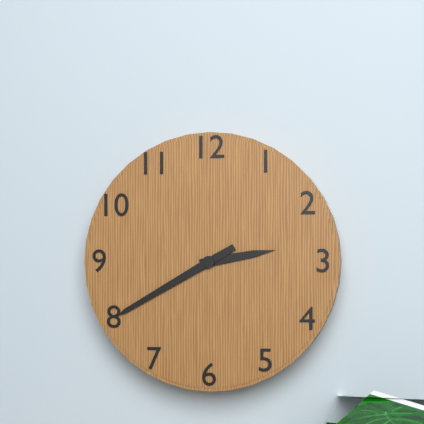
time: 2:40
